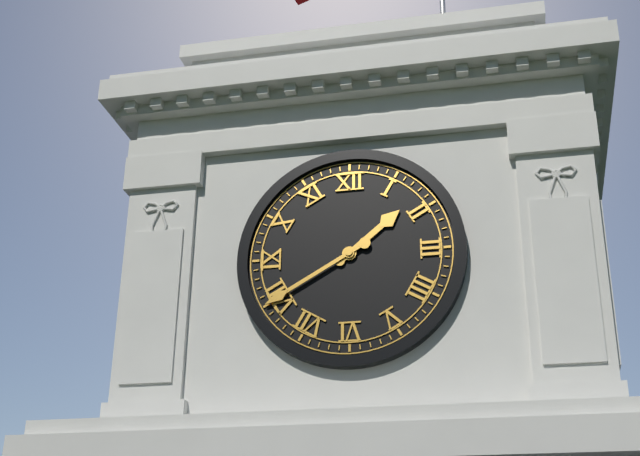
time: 1:40
